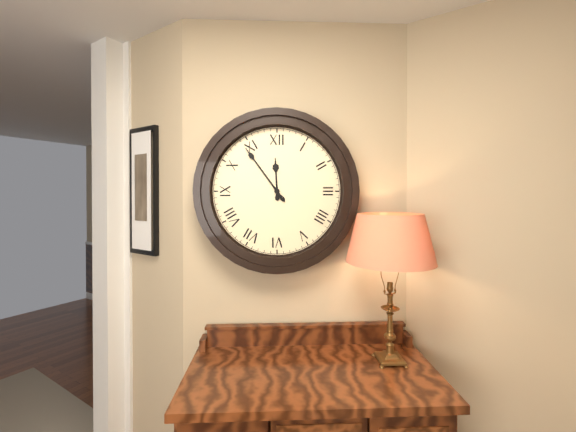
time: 11:54
